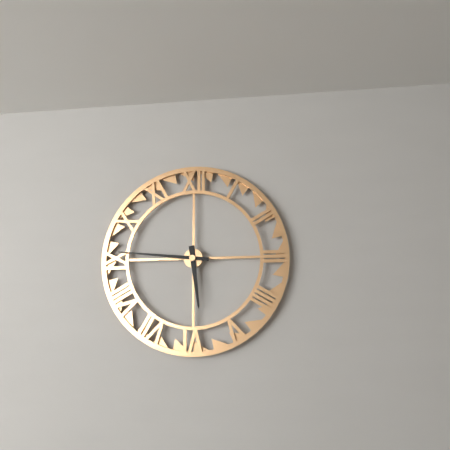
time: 5:46
